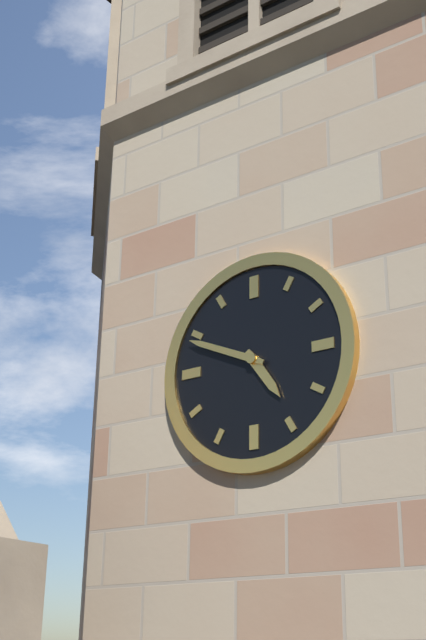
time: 4:49
